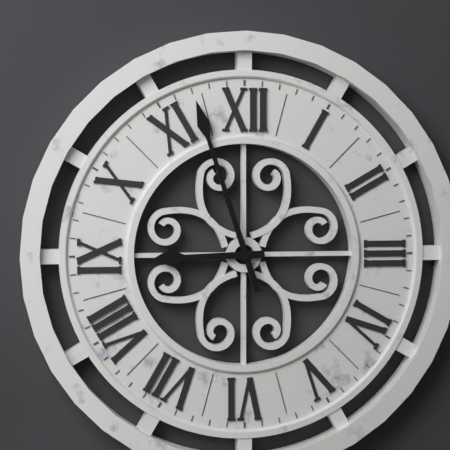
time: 8:57
